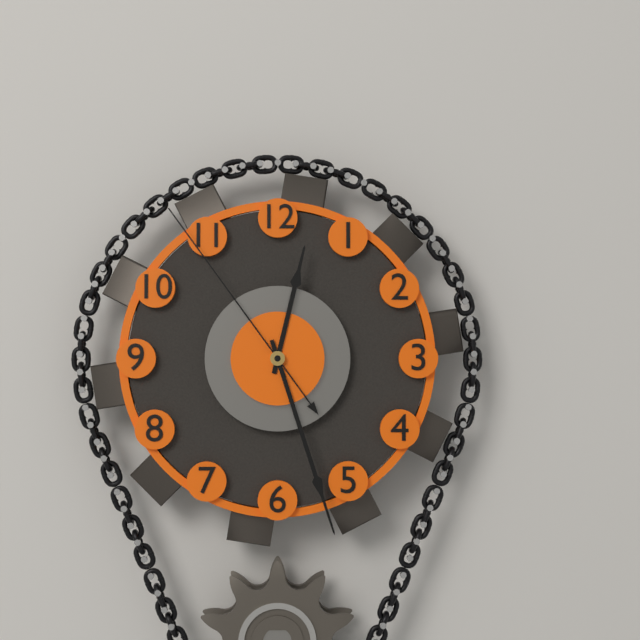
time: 12:27:54
